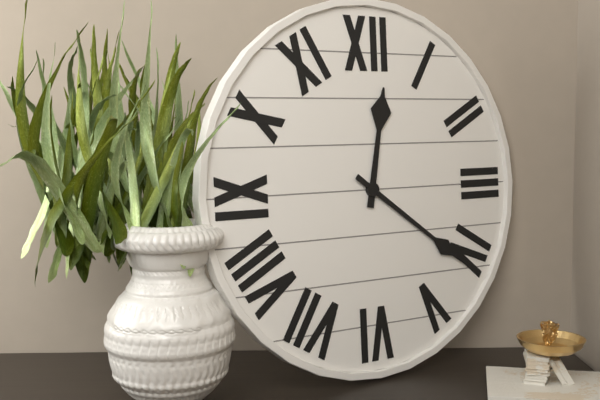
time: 12:21
